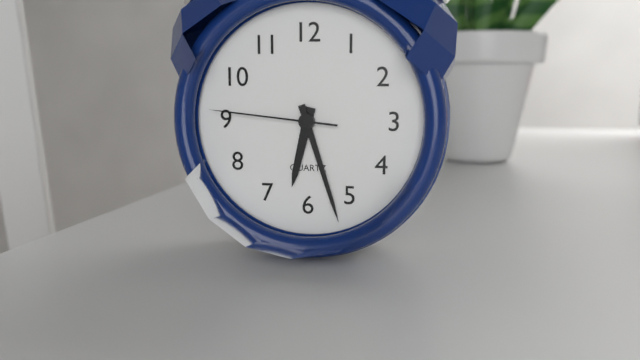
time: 6:27:46
